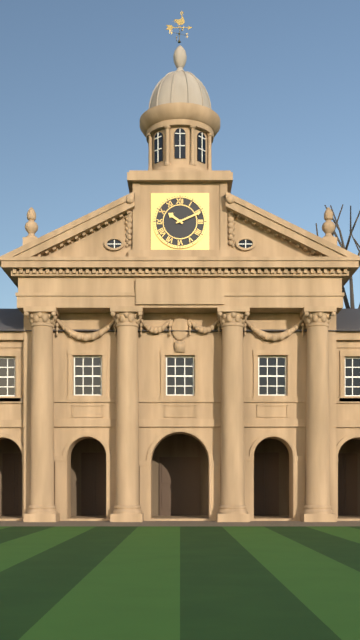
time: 10:11
